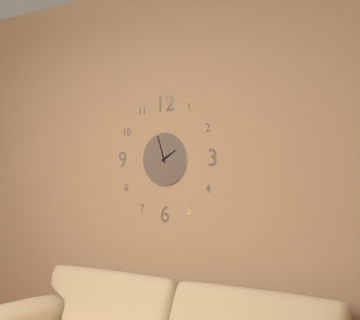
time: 1:57
